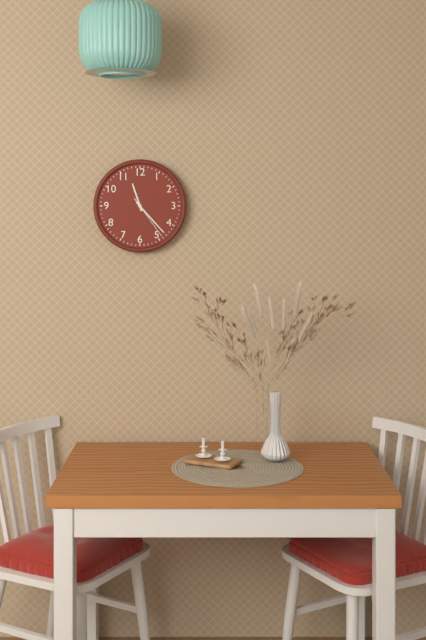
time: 11:23
